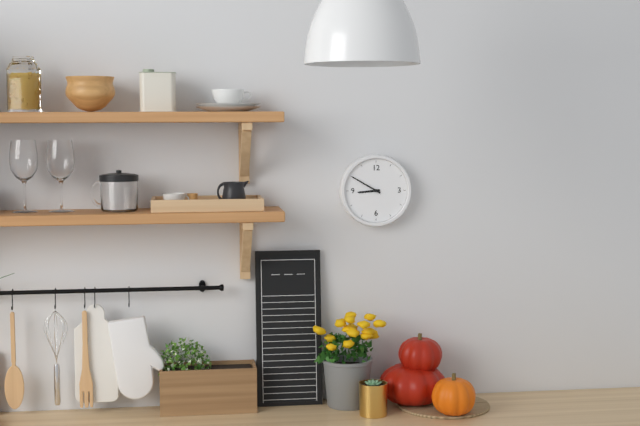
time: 8:50
